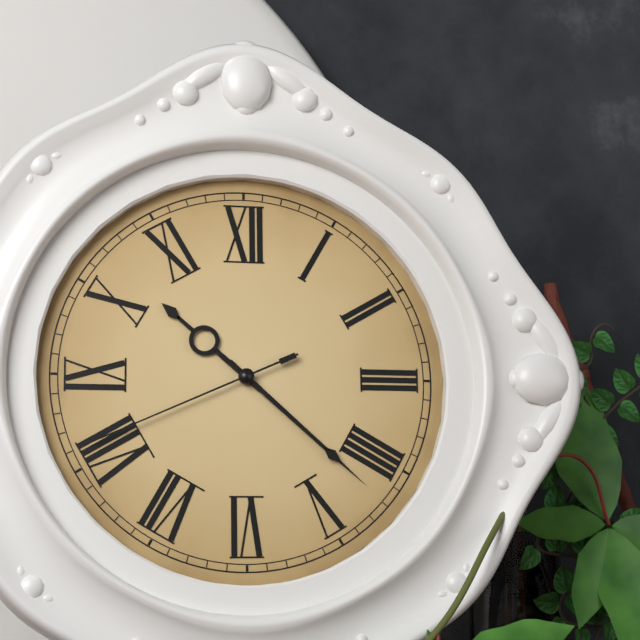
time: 10:22:41
